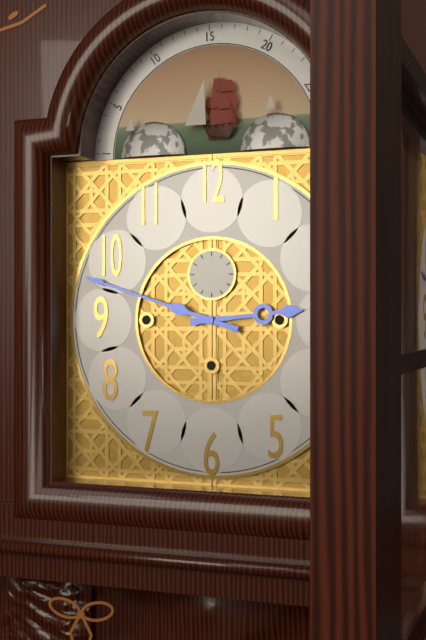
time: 2:48
